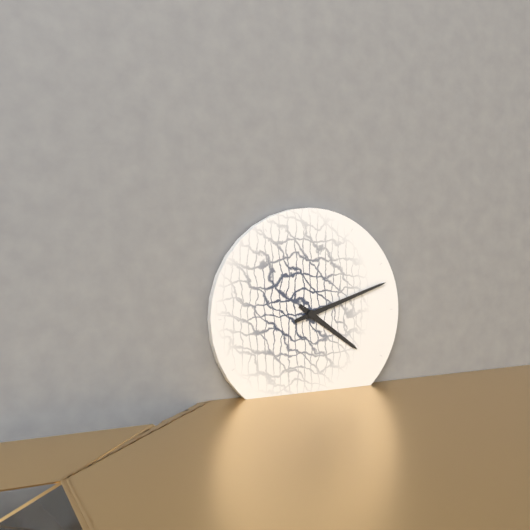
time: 4:12
